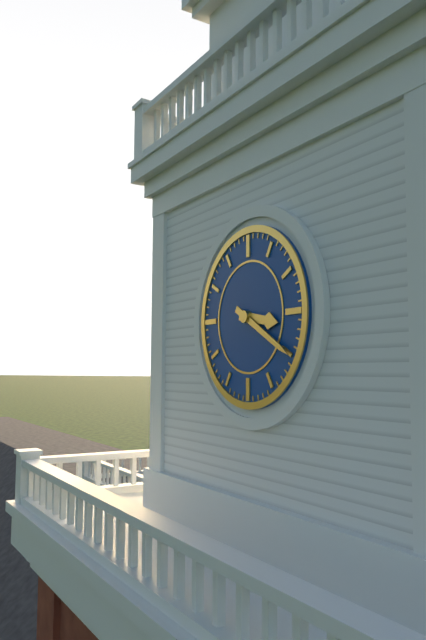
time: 3:20
